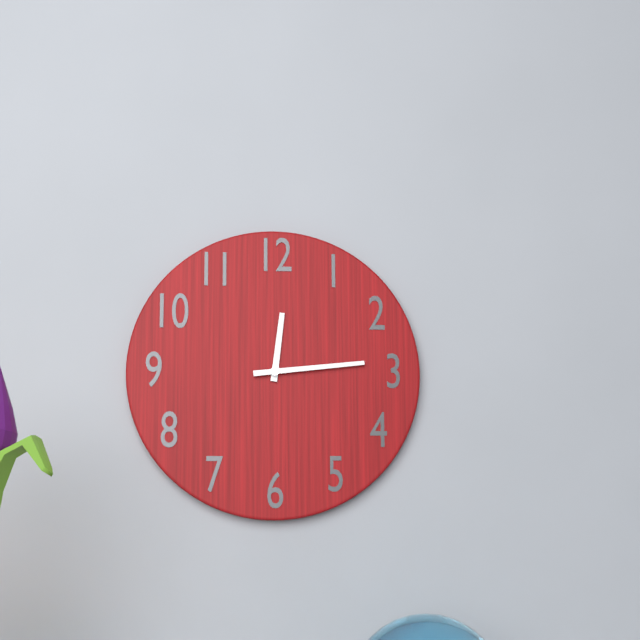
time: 12:14
